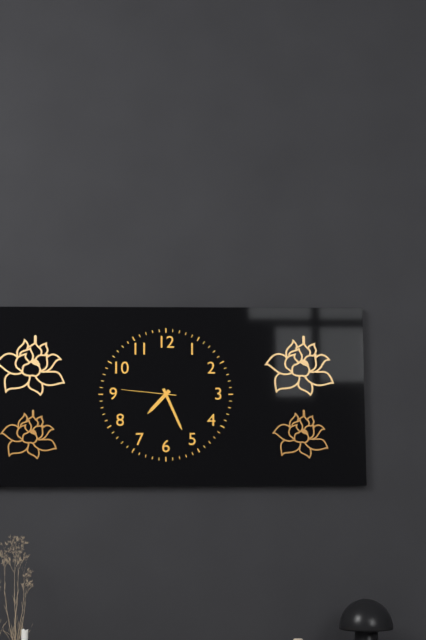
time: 7:26:46
